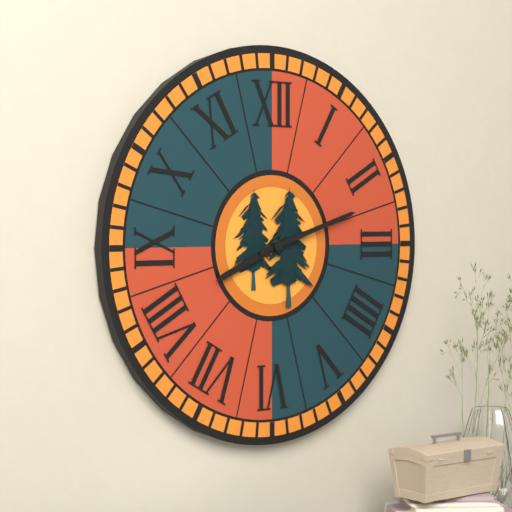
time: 8:12
